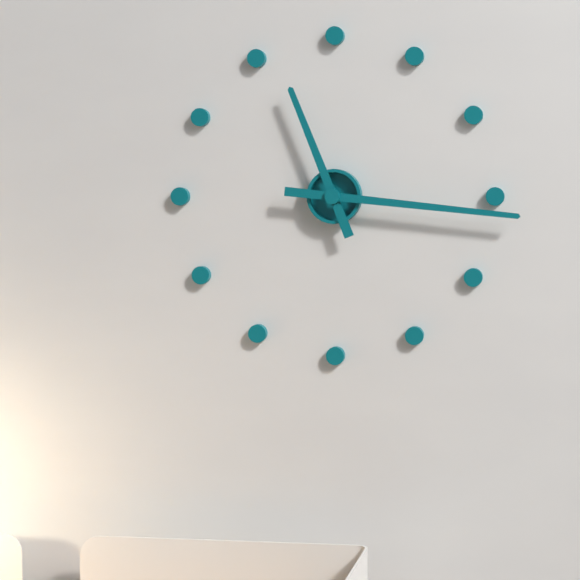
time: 11:16
